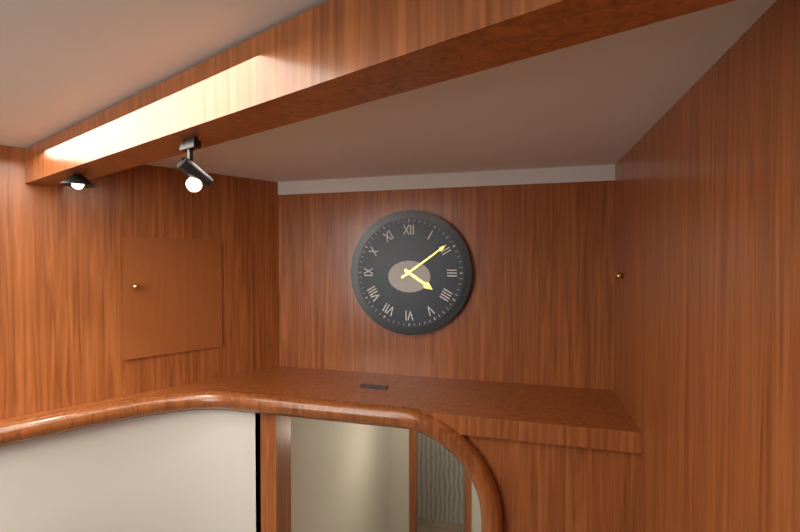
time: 4:09
